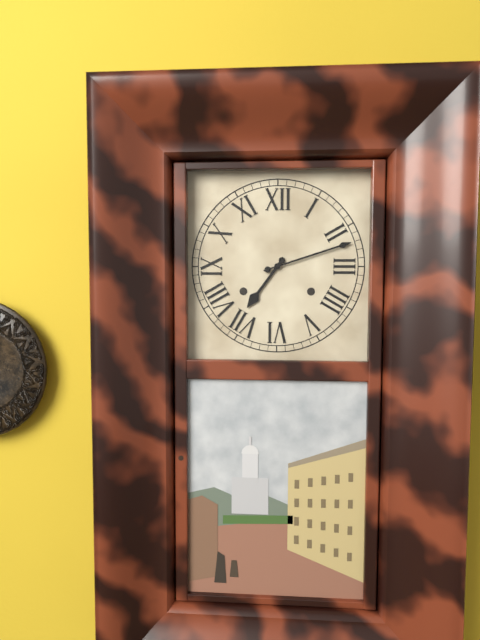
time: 7:12
